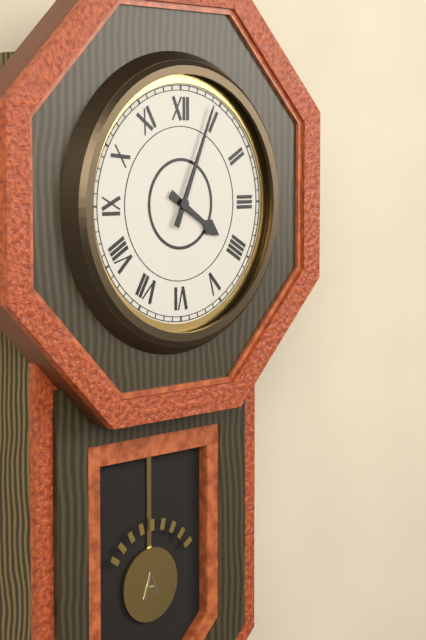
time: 4:04
